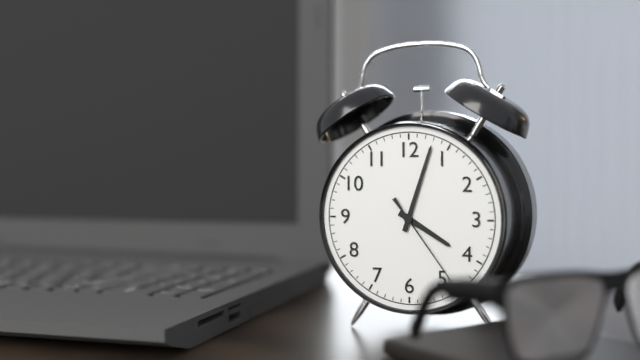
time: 4:03:24
